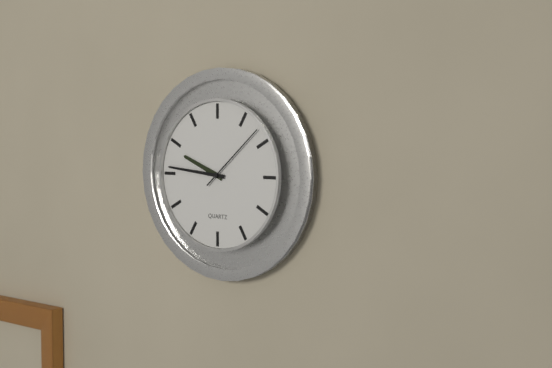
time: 9:46:08
